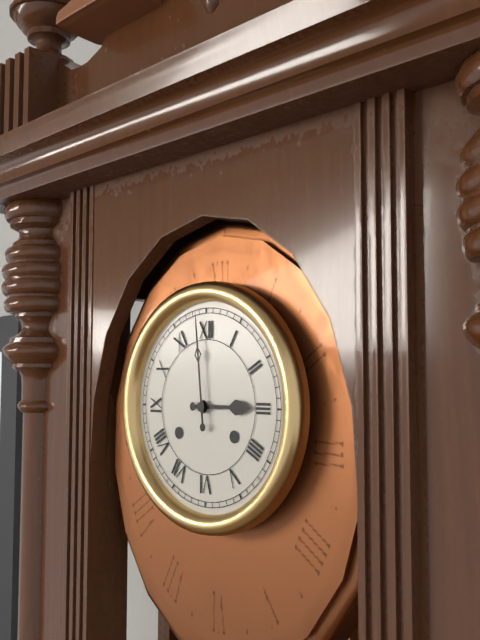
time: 2:59
